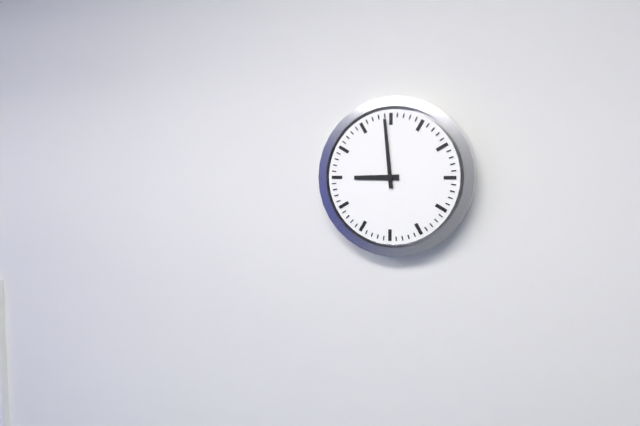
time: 8:59
